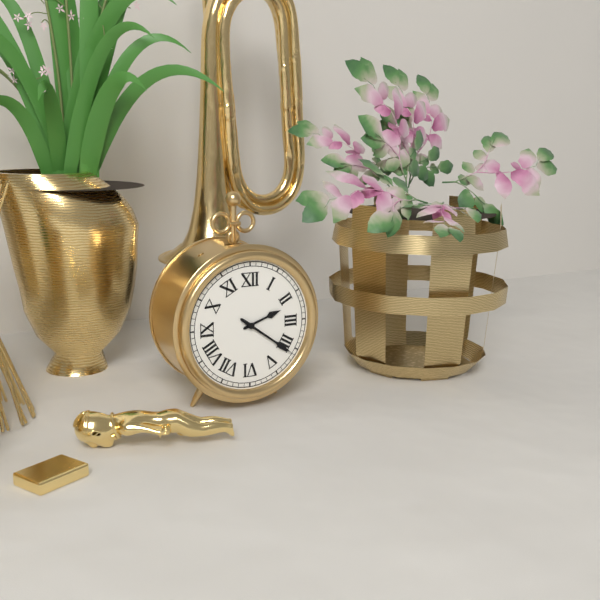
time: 2:21
